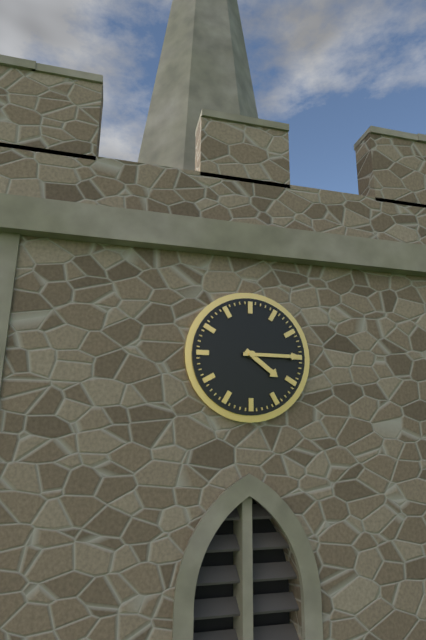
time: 4:15
